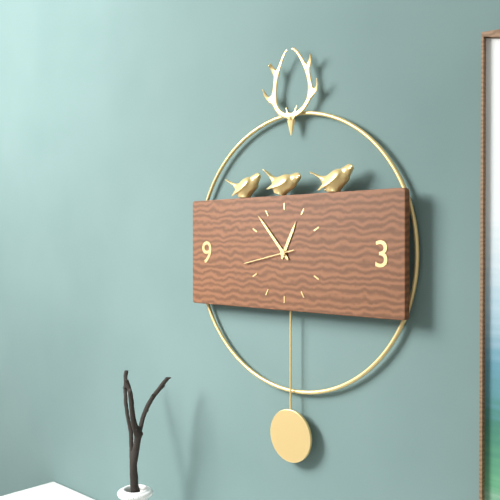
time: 12:53:43
